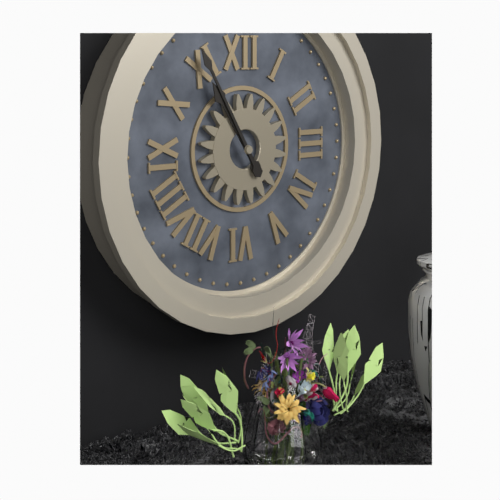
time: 10:55
